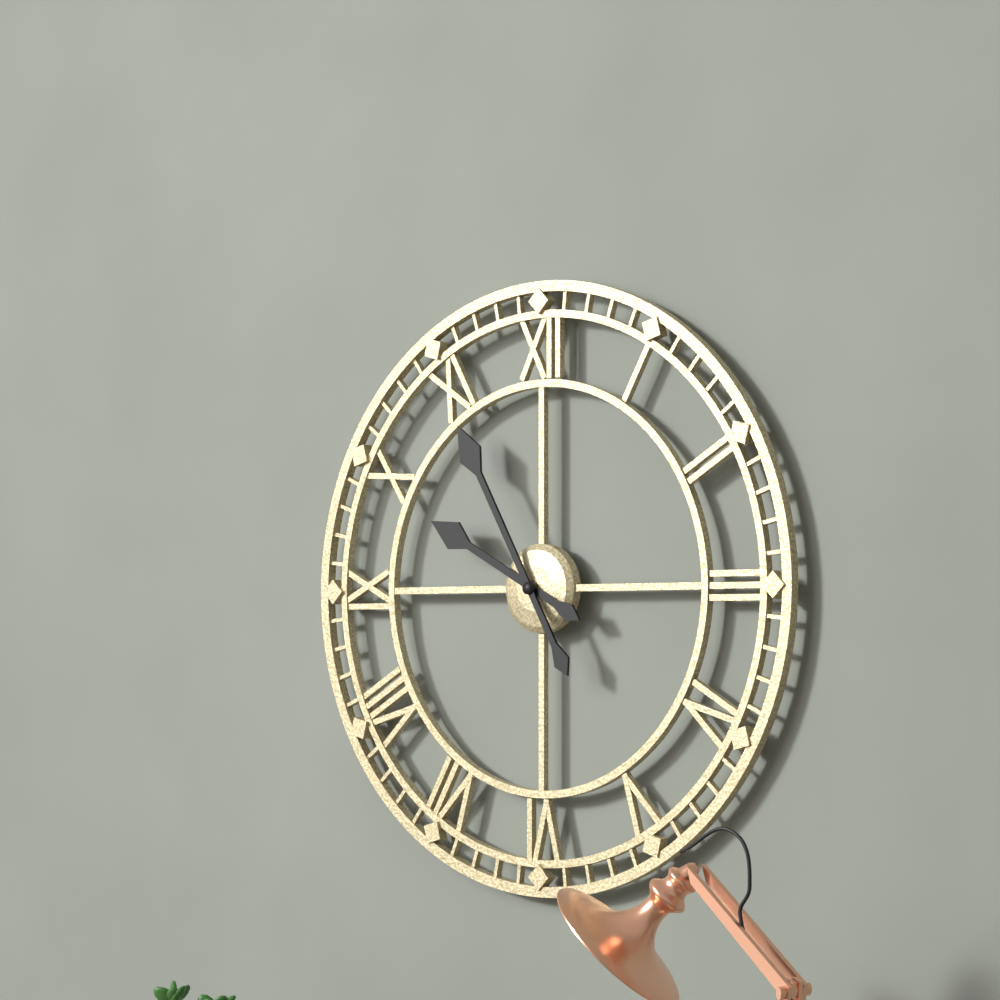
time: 9:55
